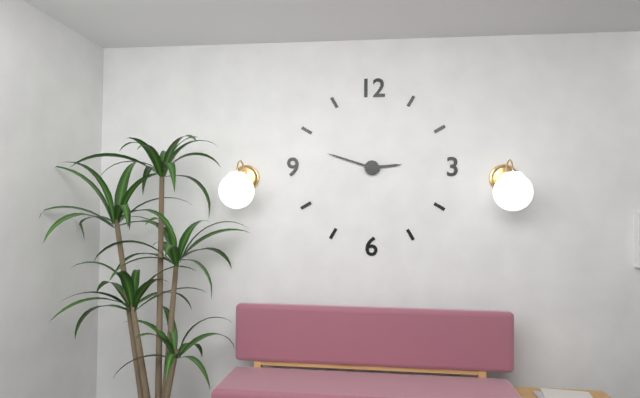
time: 2:48
